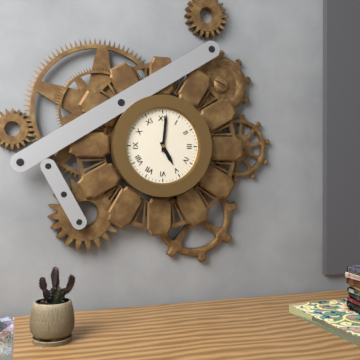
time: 5:01
